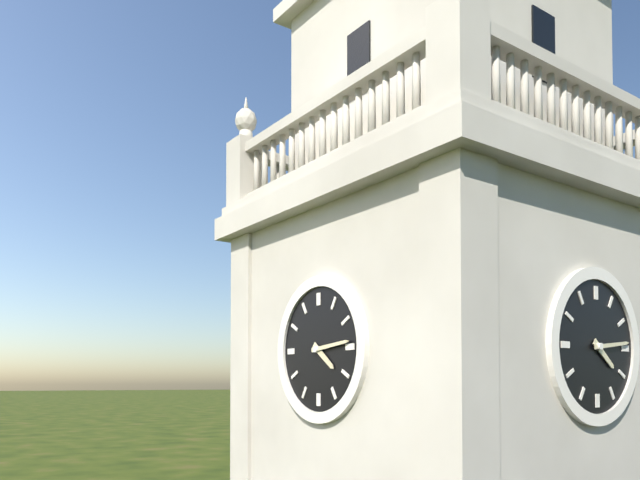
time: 4:14
